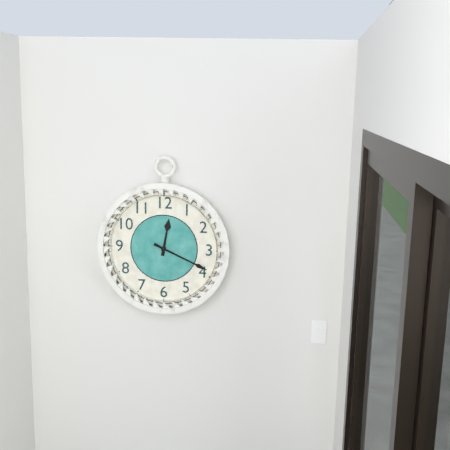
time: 12:19
